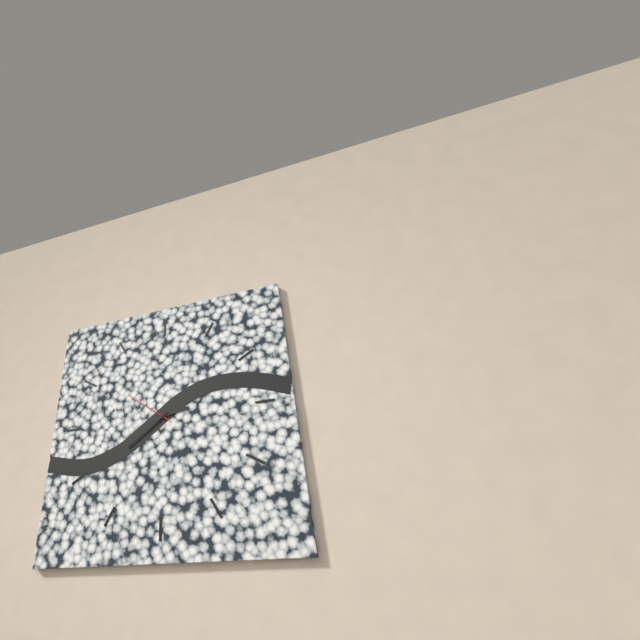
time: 2:39:51
